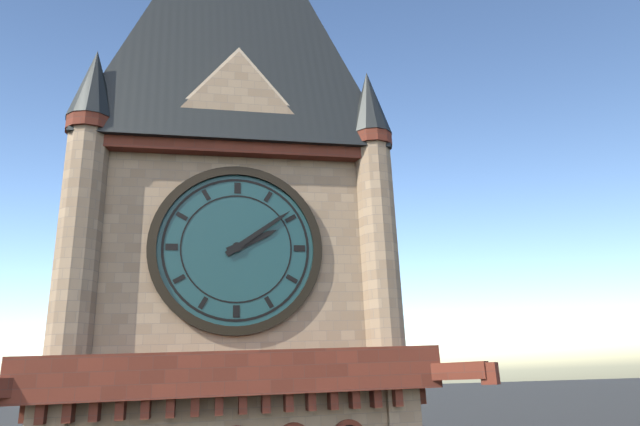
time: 2:09
